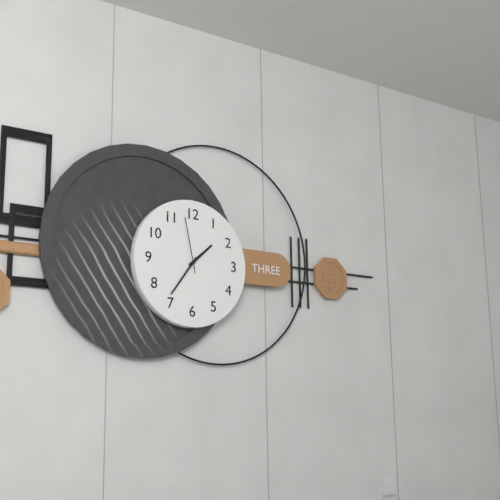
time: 1:36:58
